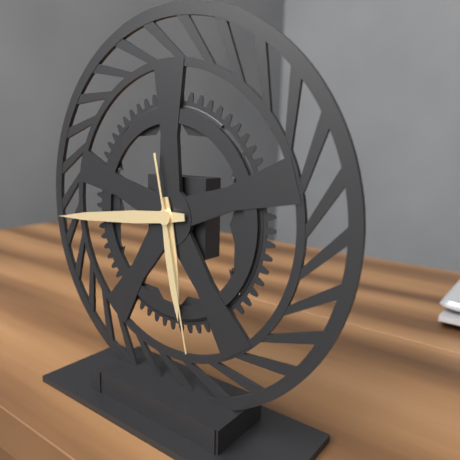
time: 5:44:28
